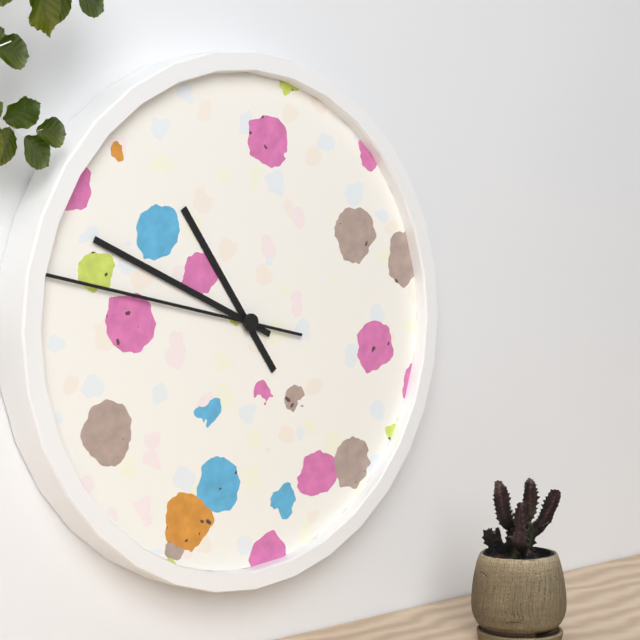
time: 10:49:47
